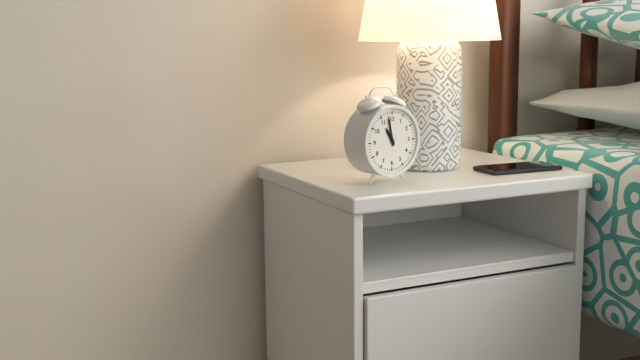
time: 10:58
